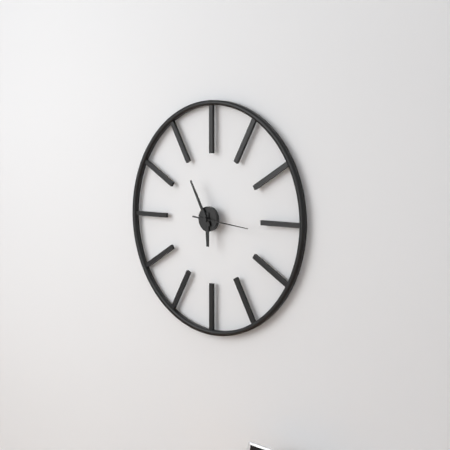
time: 5:55
